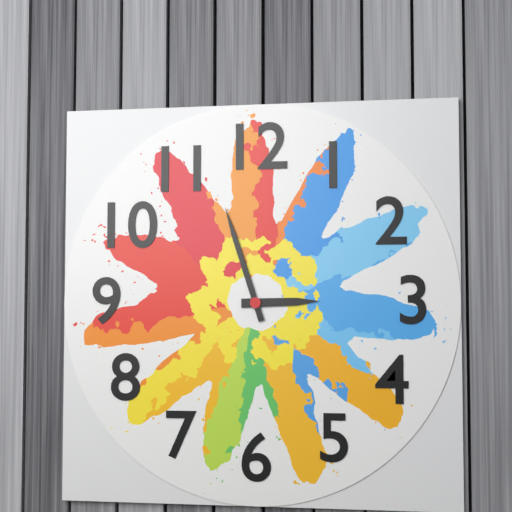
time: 2:57
